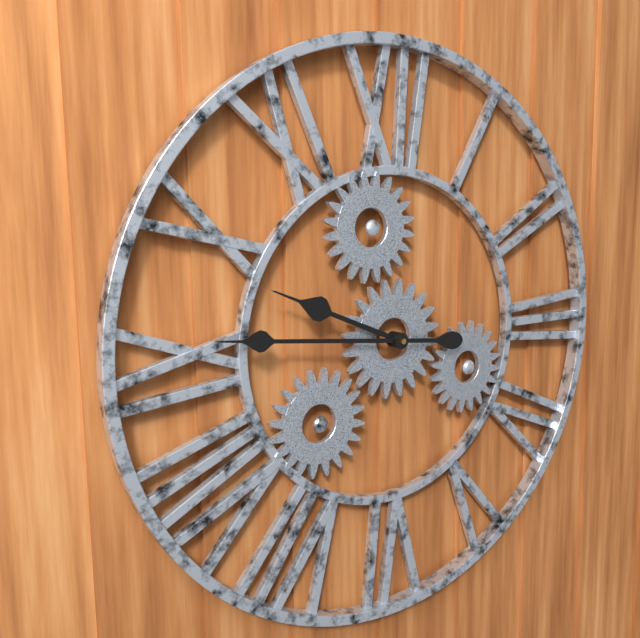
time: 9:46
